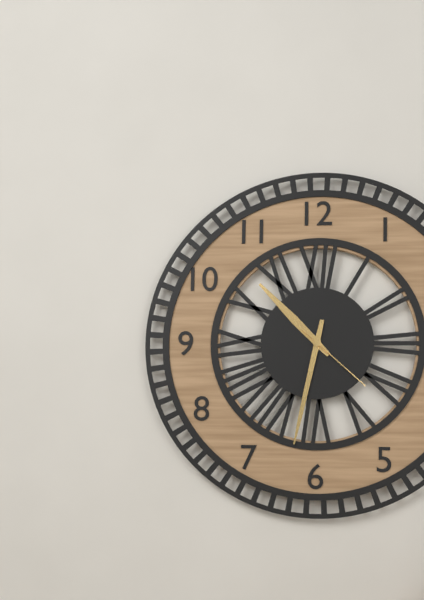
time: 10:32:22
